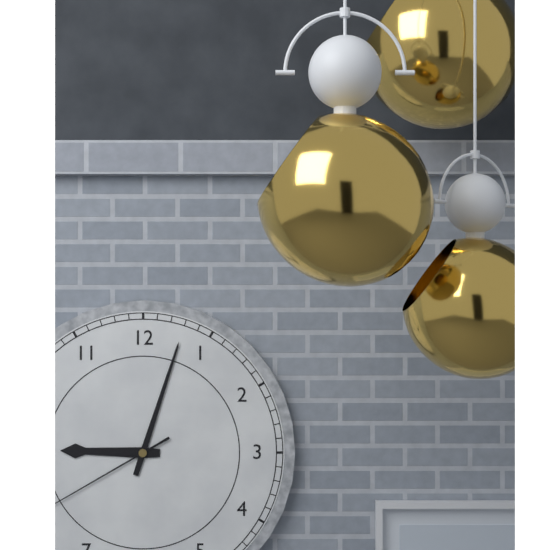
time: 9:03:40
